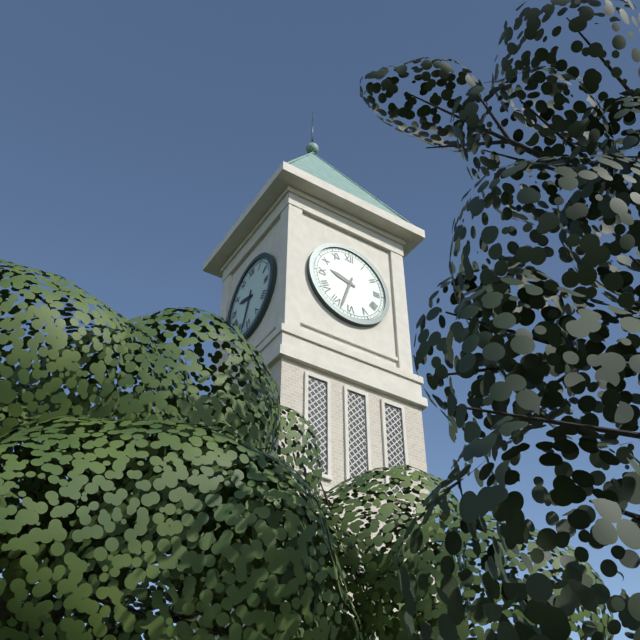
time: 9:33
